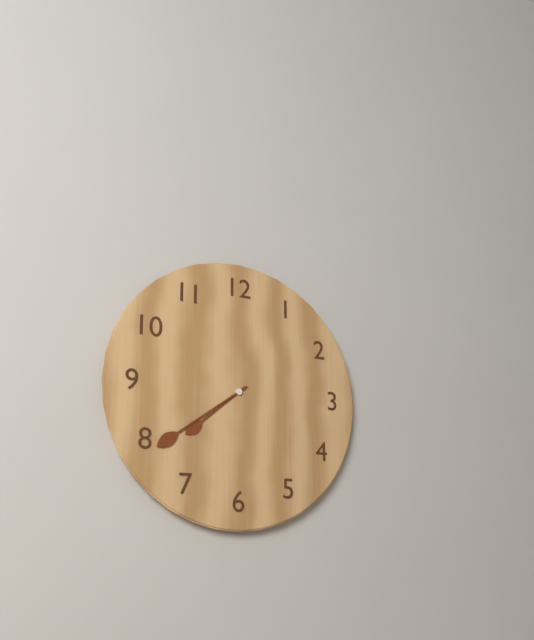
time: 7:39
